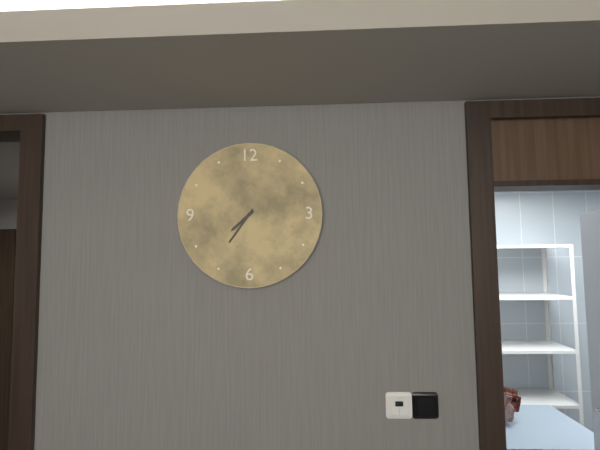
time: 7:36
